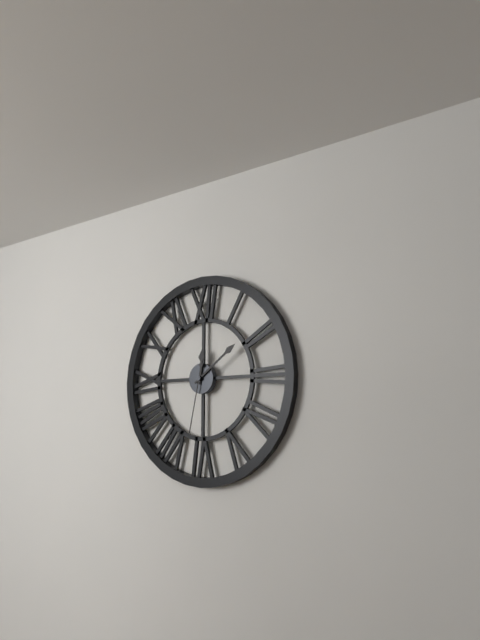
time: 12:09:32
